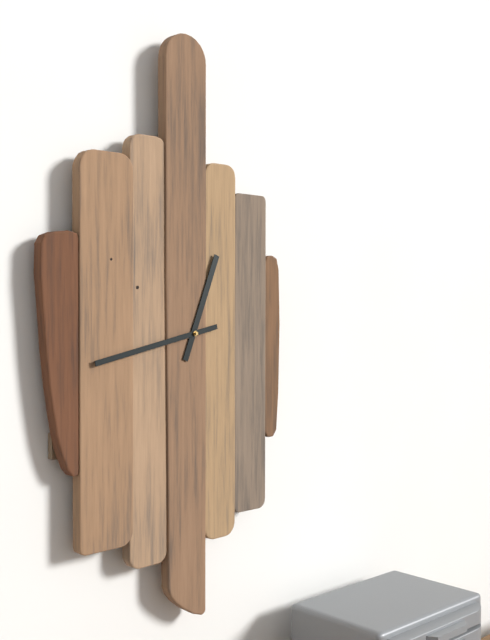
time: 12:43
